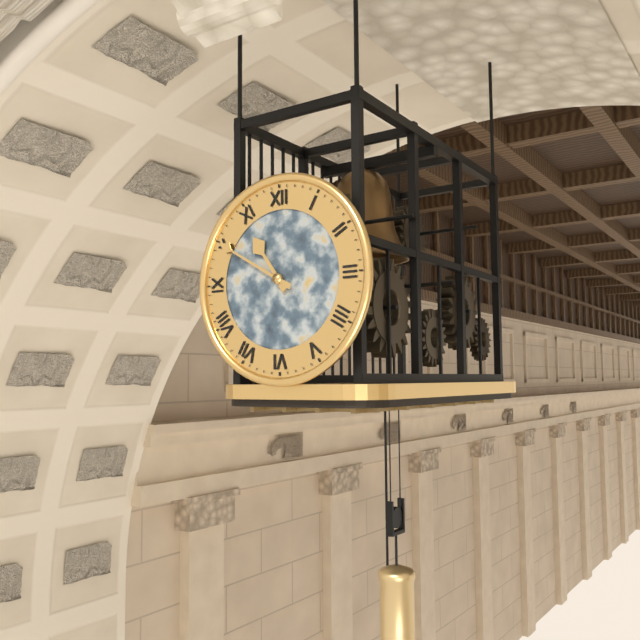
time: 10:50
